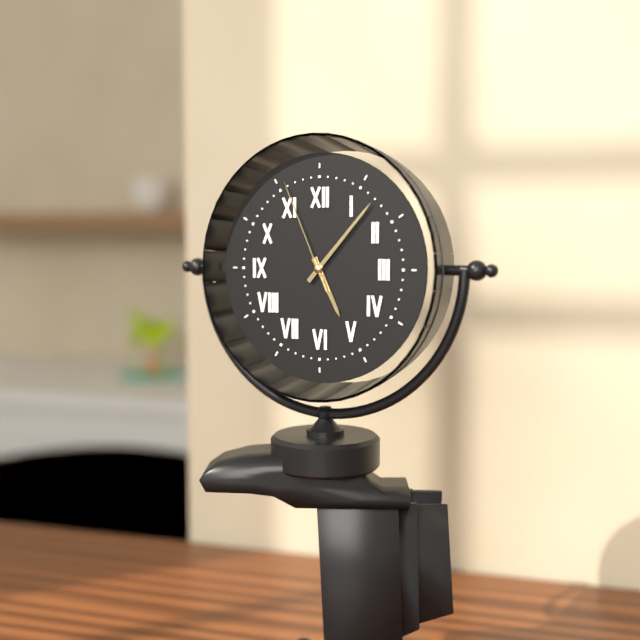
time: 5:07:56
